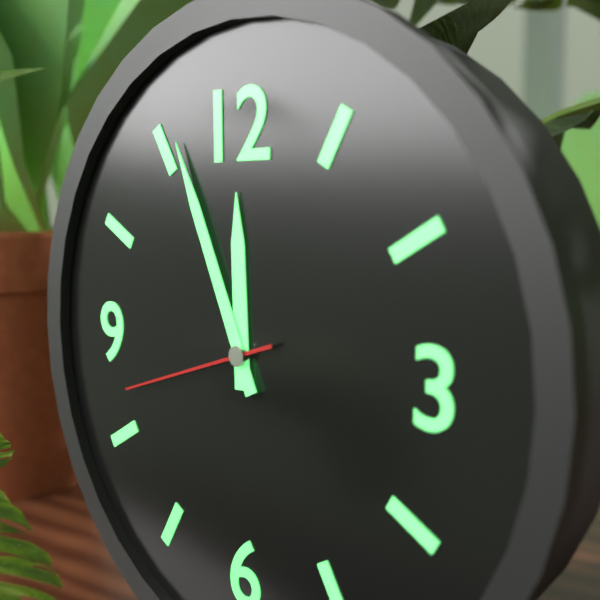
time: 11:56:42
